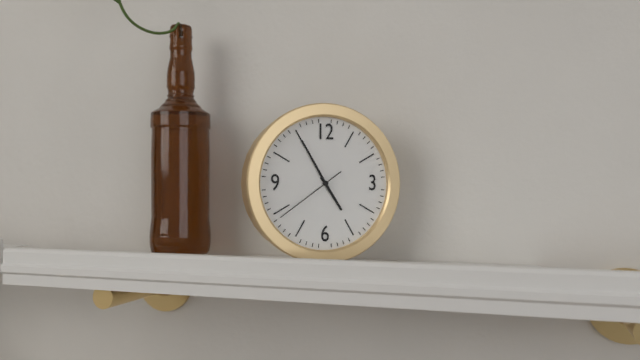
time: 4:55:39
